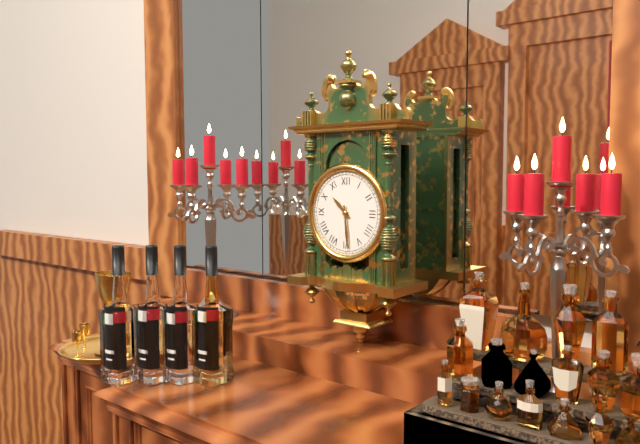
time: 10:29
